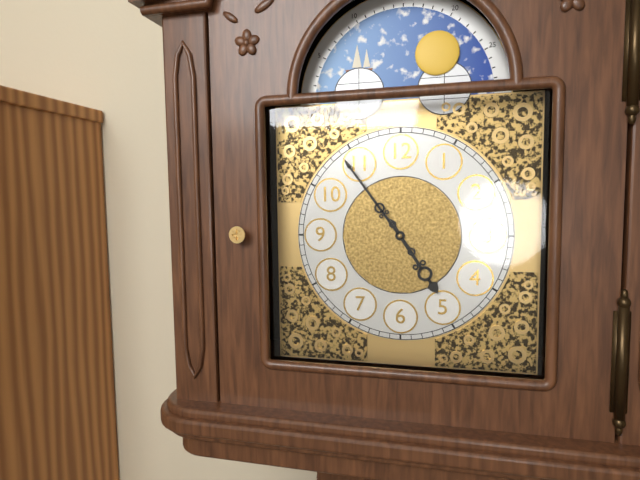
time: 4:54
